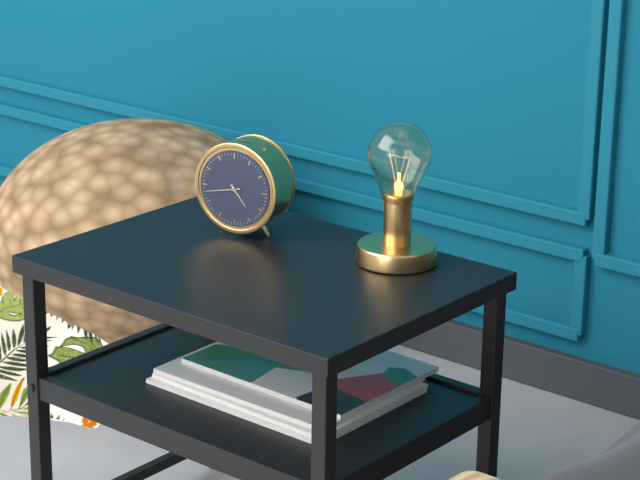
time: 4:43
